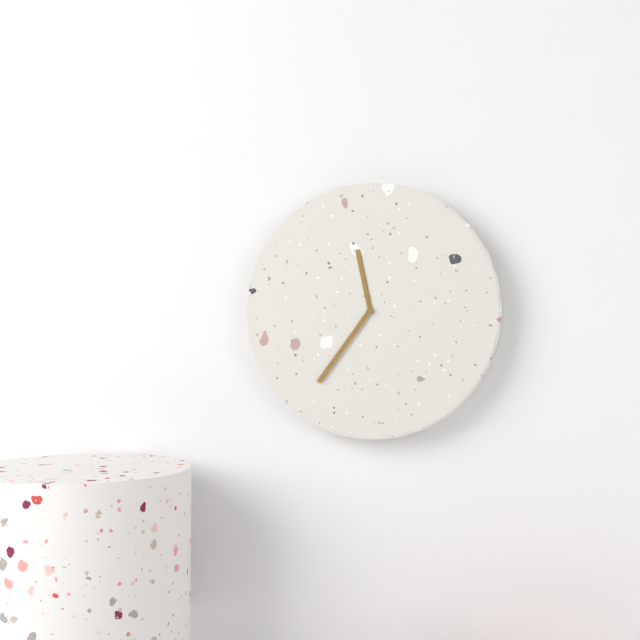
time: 11:36
